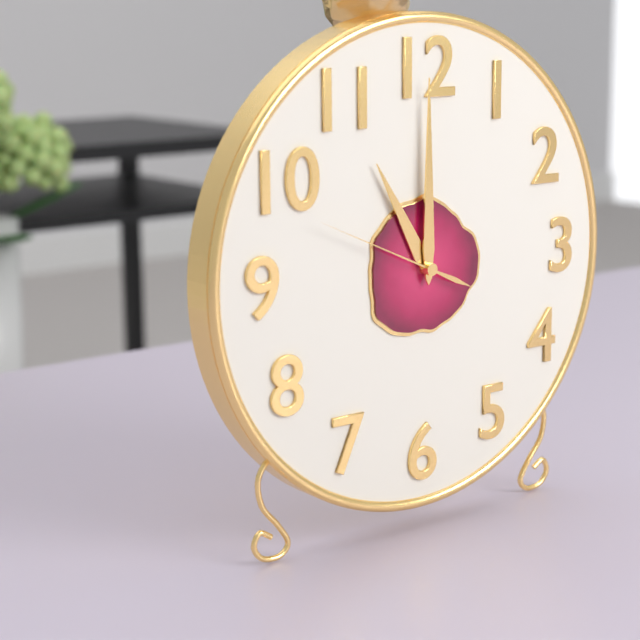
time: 11:00:49
